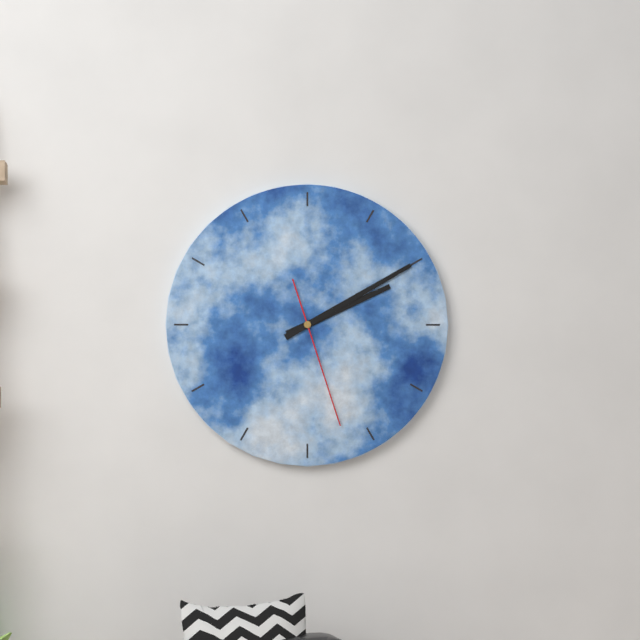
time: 2:10:27
